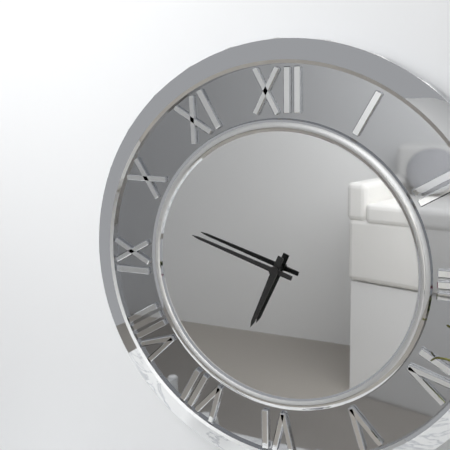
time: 6:48
